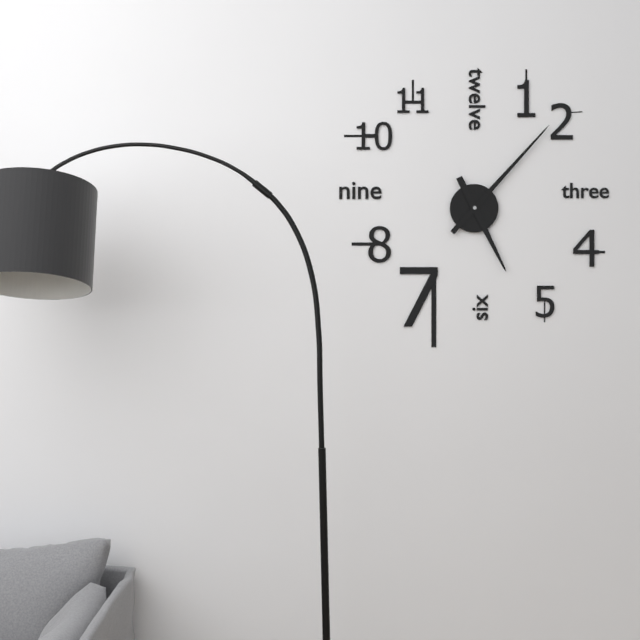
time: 5:07
